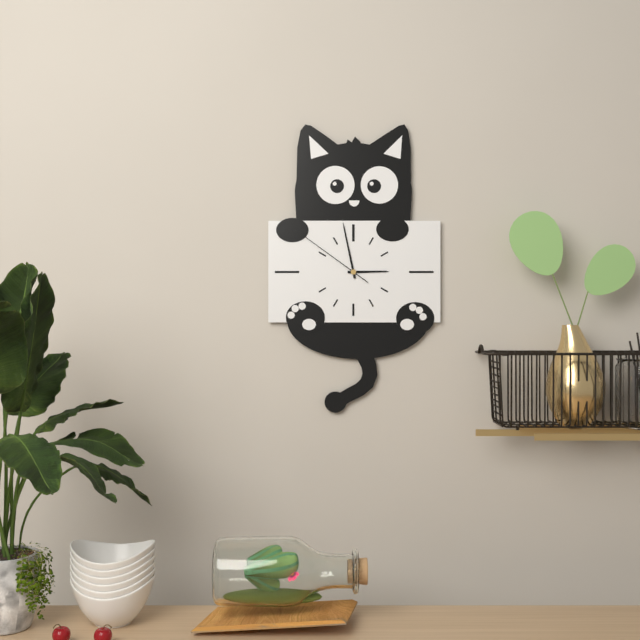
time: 2:58:51
